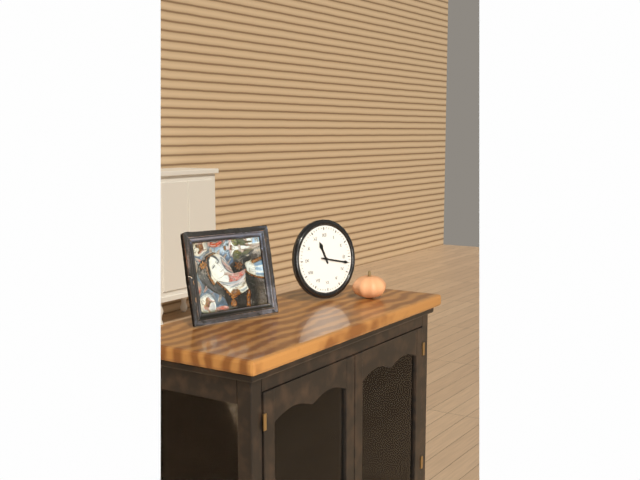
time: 11:17
